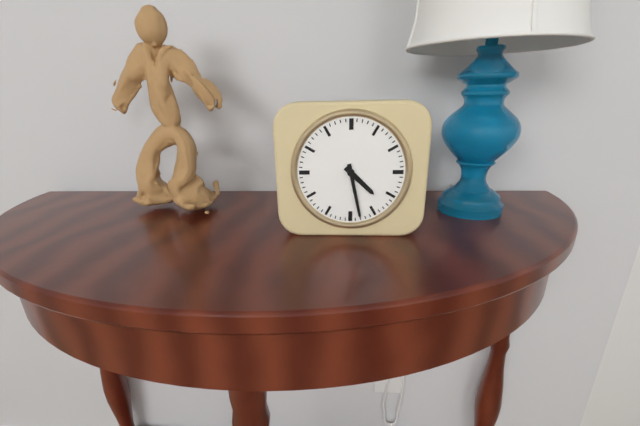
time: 4:28
